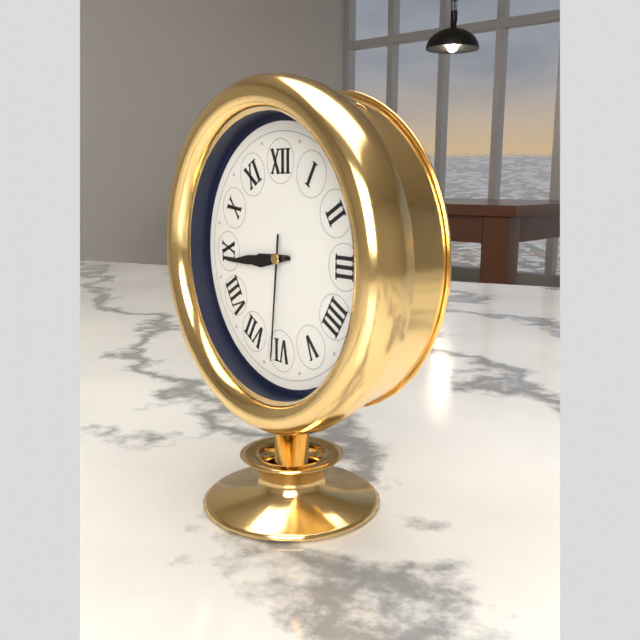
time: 8:44:31
